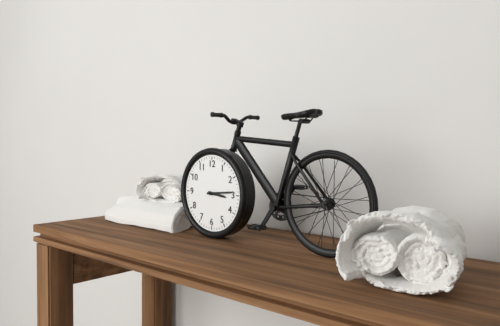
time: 3:14
